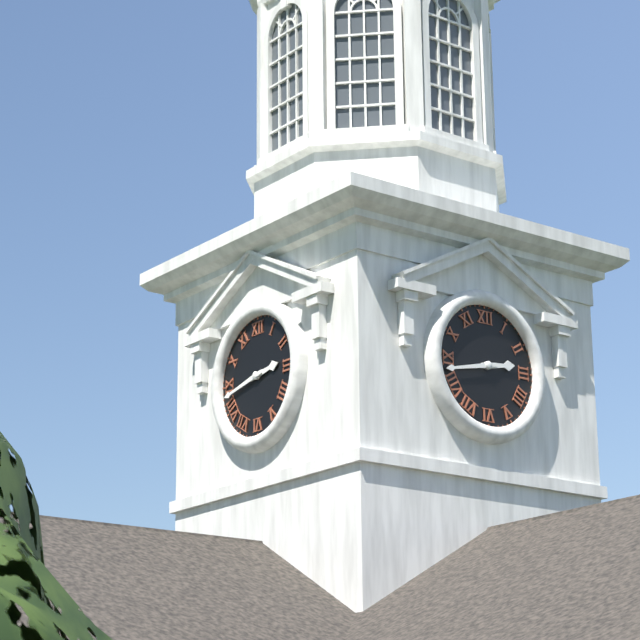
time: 2:43
